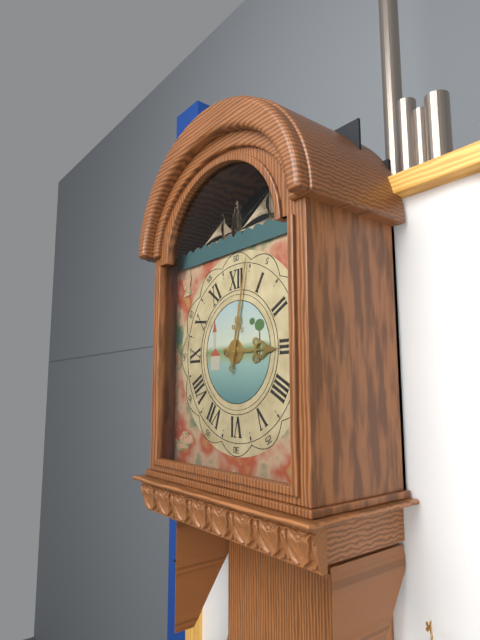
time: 3:02
